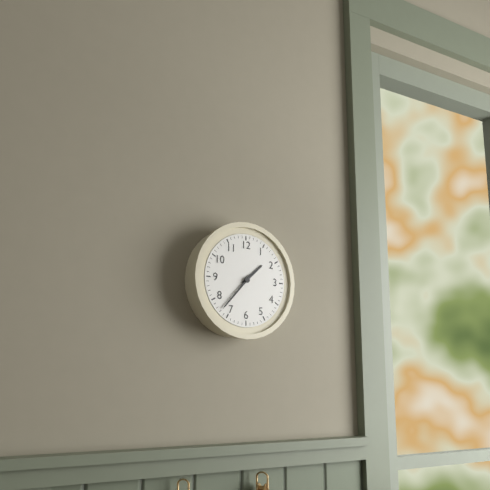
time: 1:37
